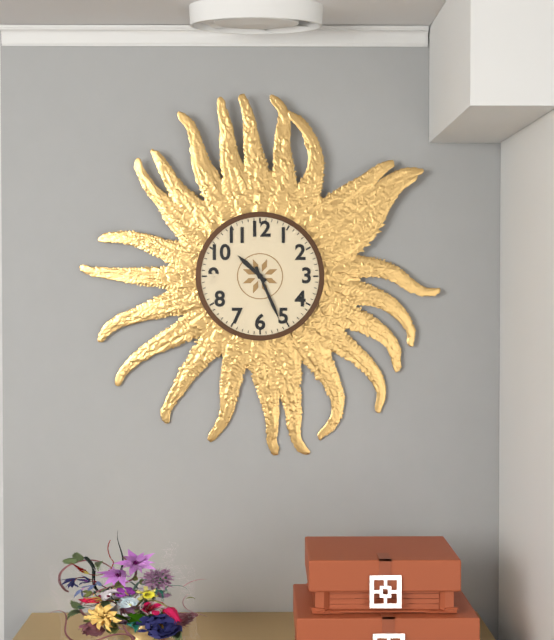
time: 10:26
